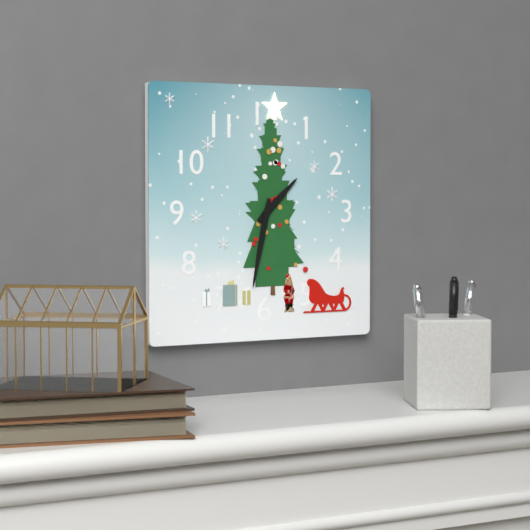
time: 1:32
